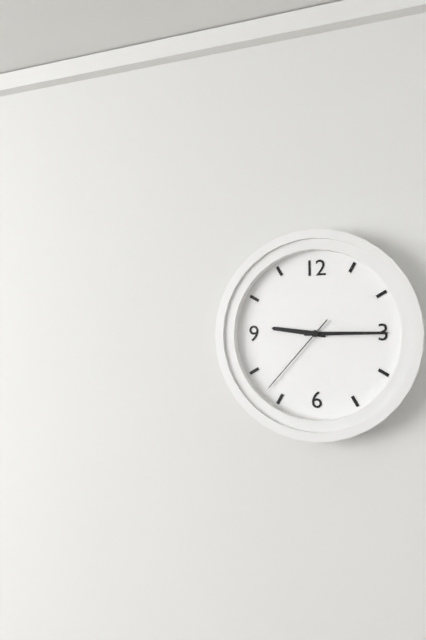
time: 9:15:37
